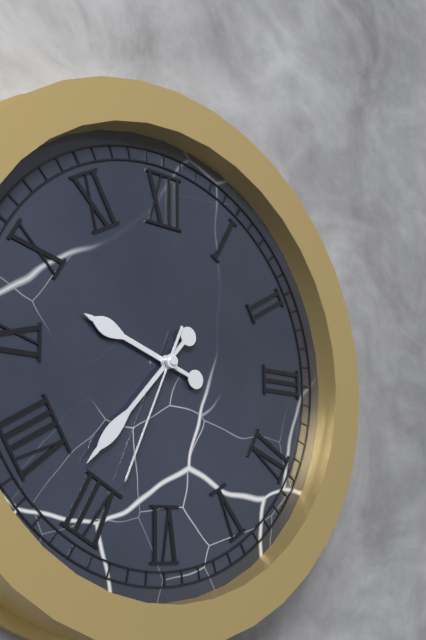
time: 9:37:34
